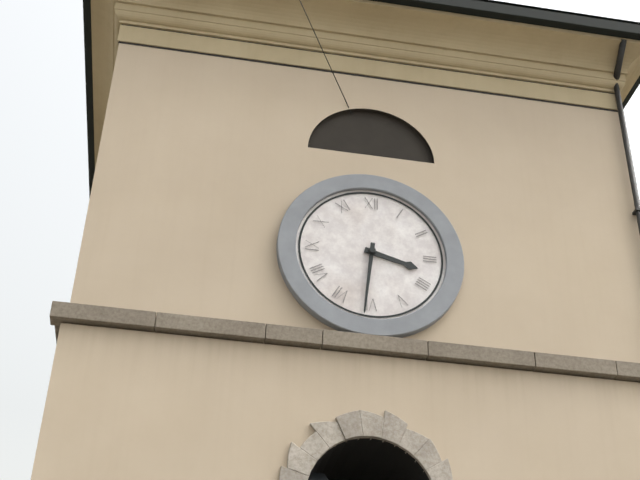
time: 3:31
